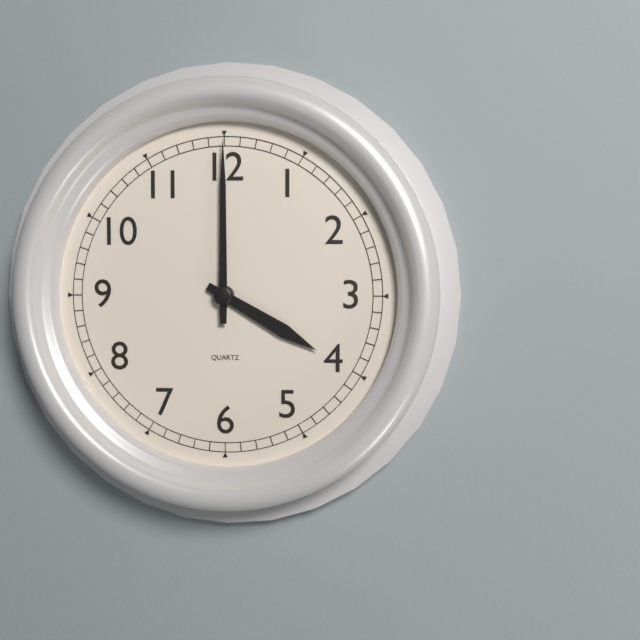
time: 4:00
